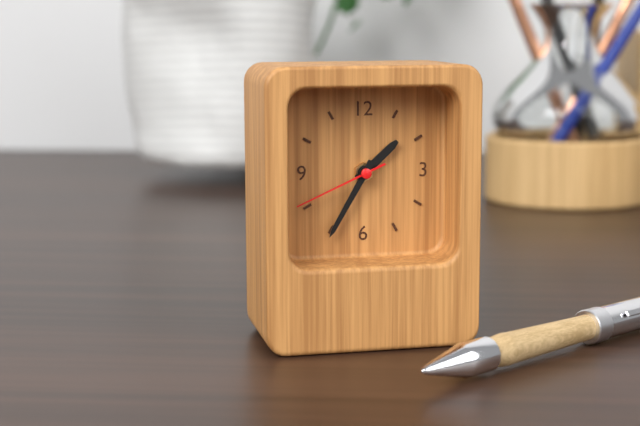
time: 1:35:41
